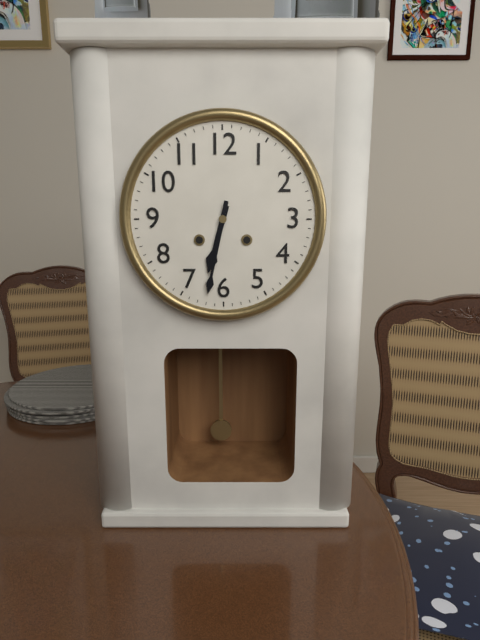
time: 6:32
